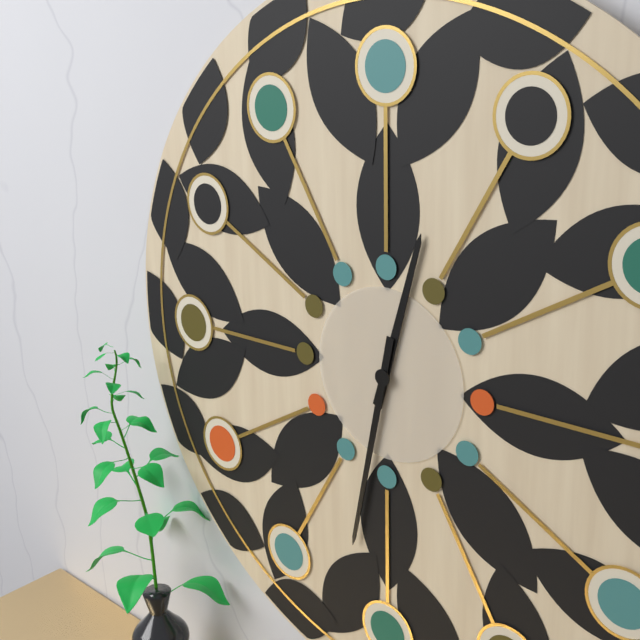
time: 12:32
